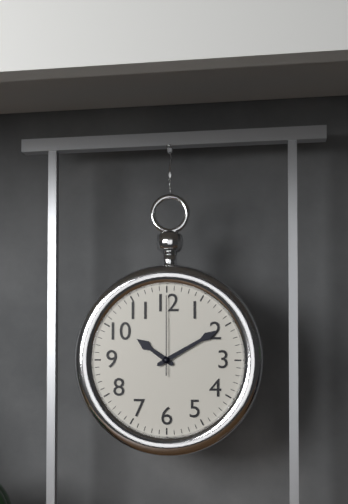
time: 10:10:00
